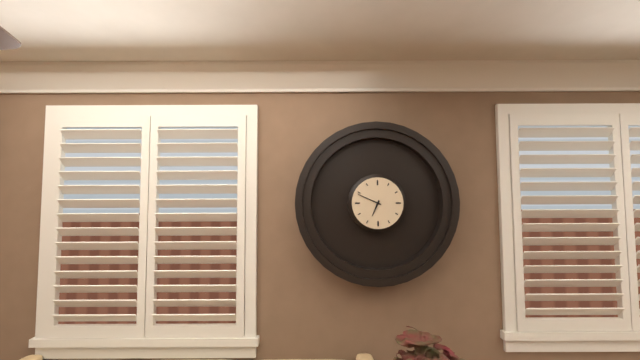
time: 6:49
